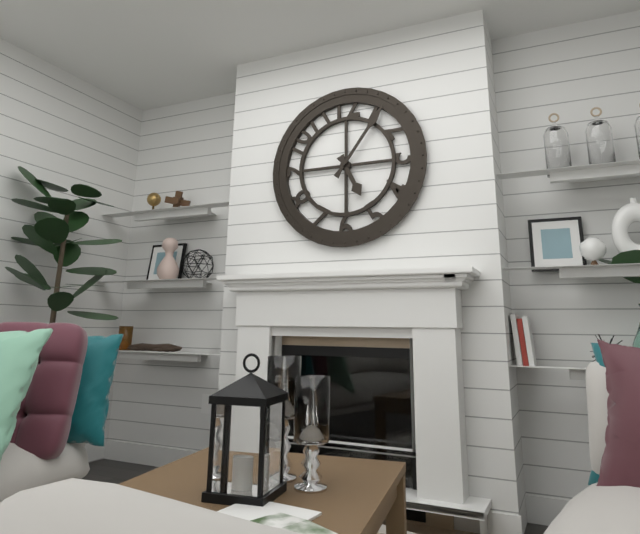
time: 5:06
